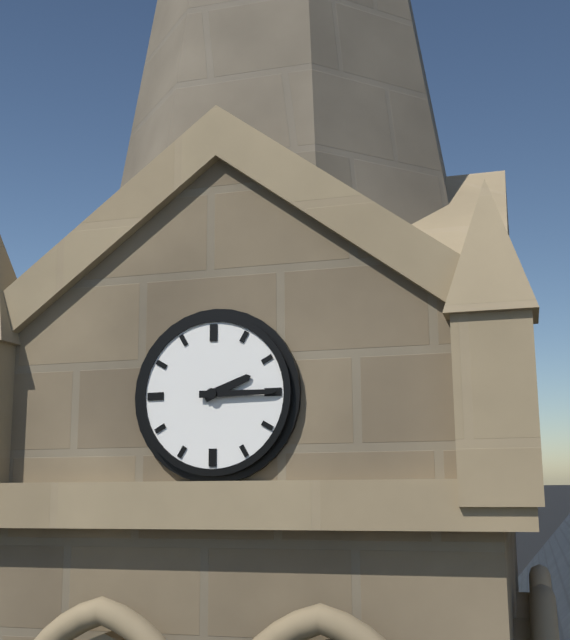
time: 2:15
